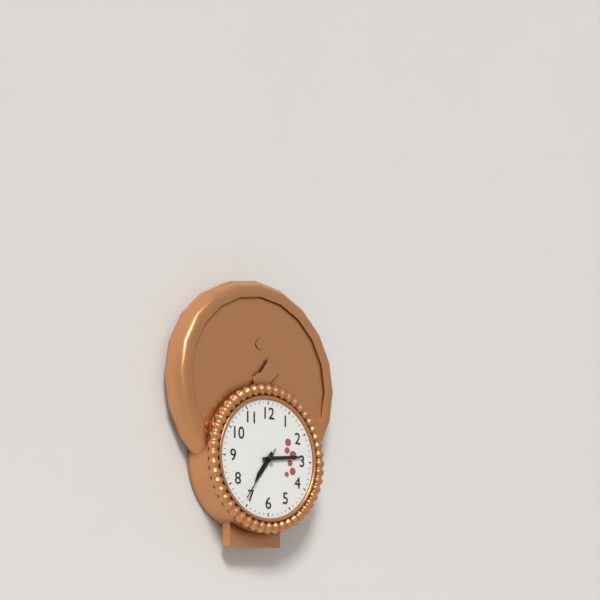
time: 7:14:36
